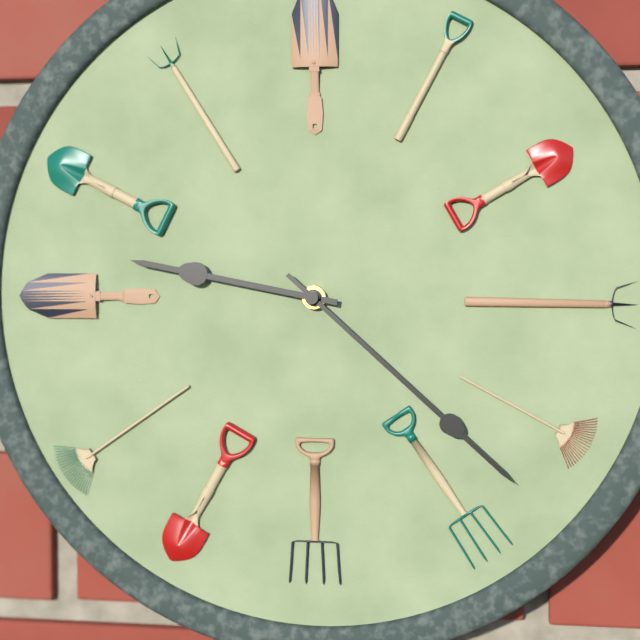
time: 9:22
